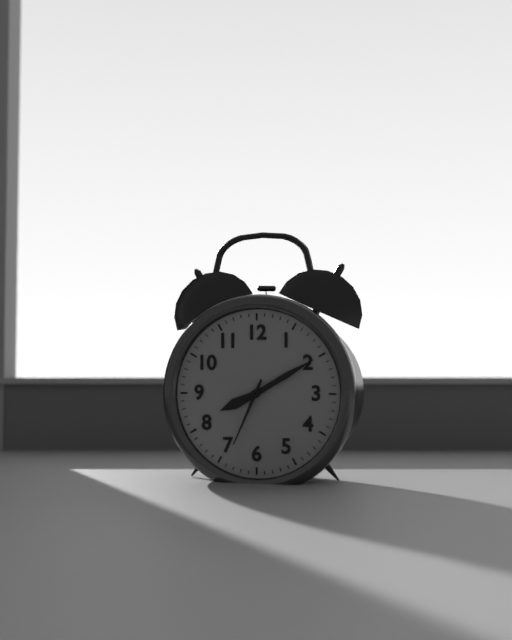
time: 8:10:34
